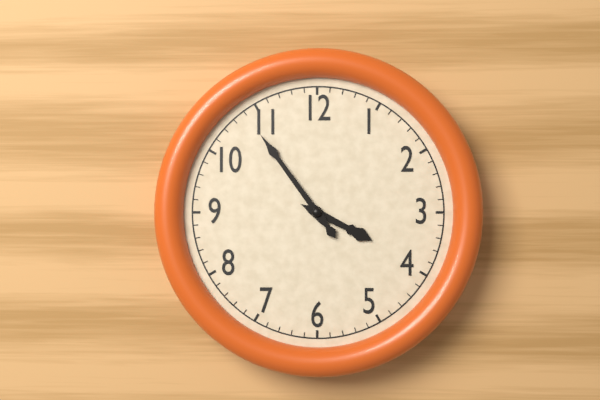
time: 3:54
